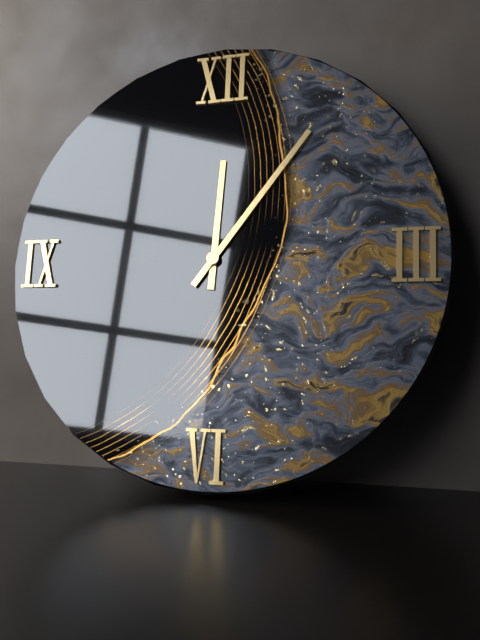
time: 12:06
